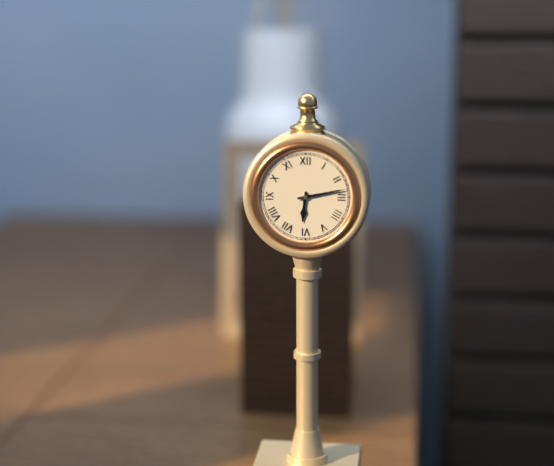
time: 6:13
